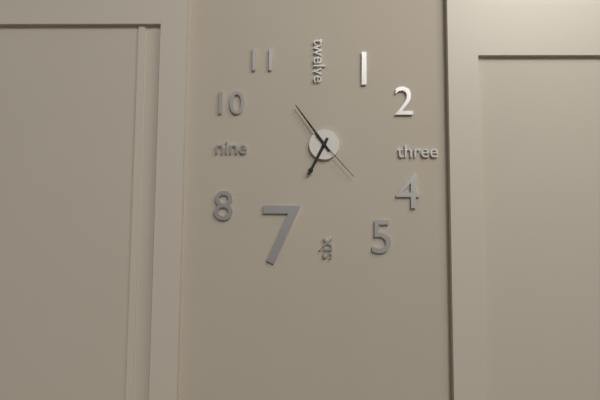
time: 6:54:23
